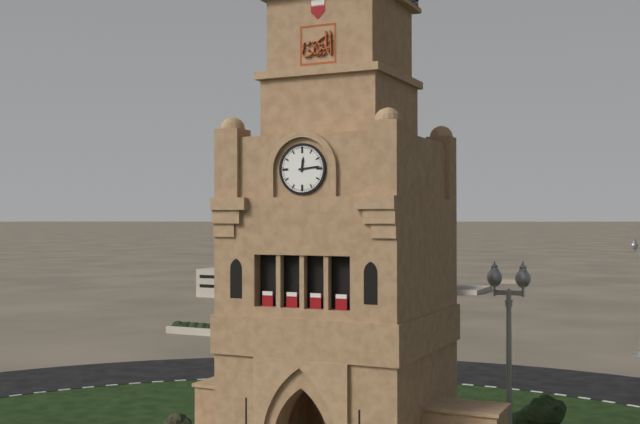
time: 12:14
